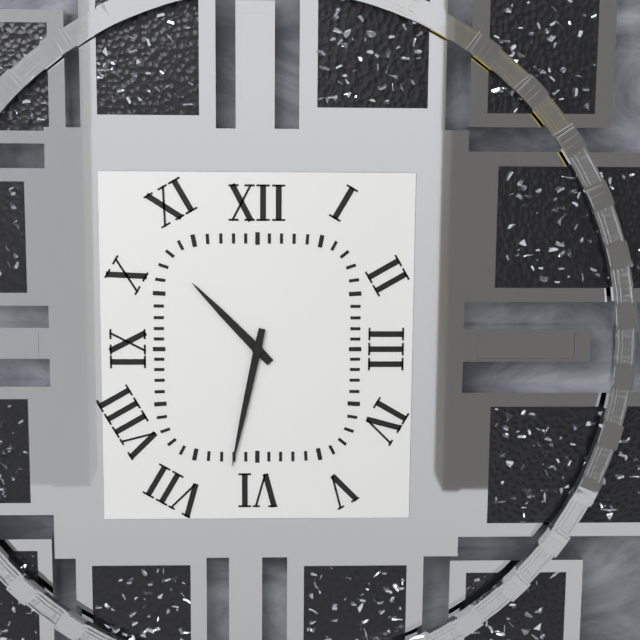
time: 10:32
